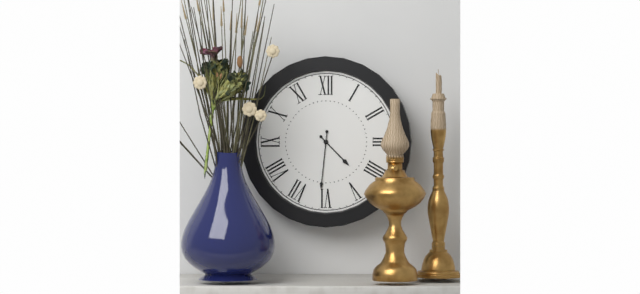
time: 4:31
